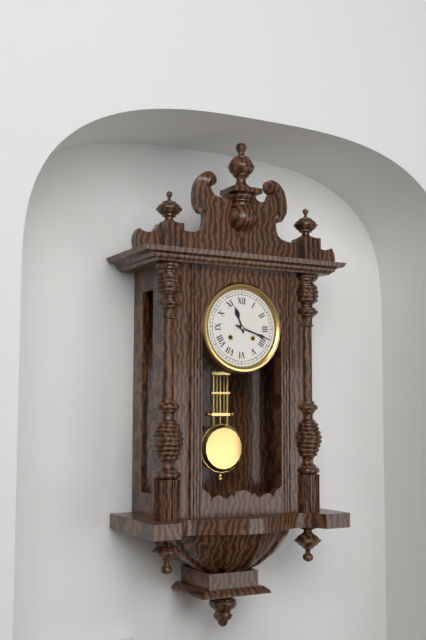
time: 11:18
